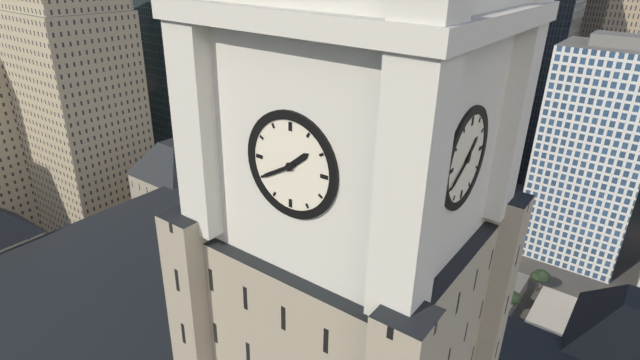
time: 1:40
